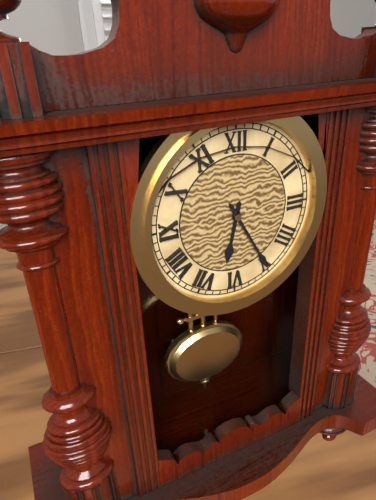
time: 6:25
